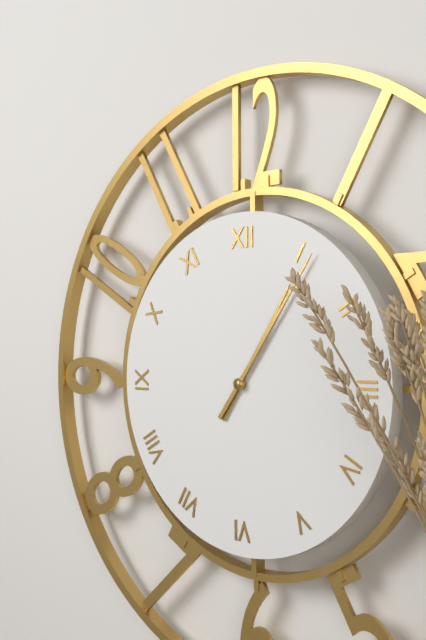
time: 1:06
